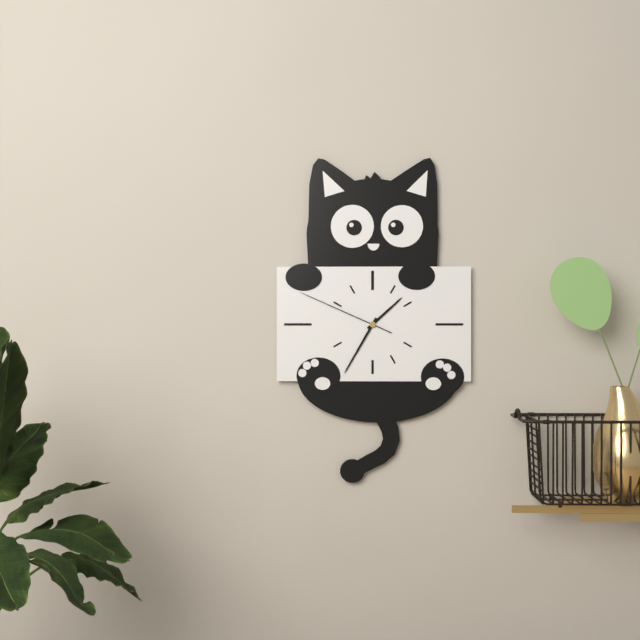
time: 1:35:49
